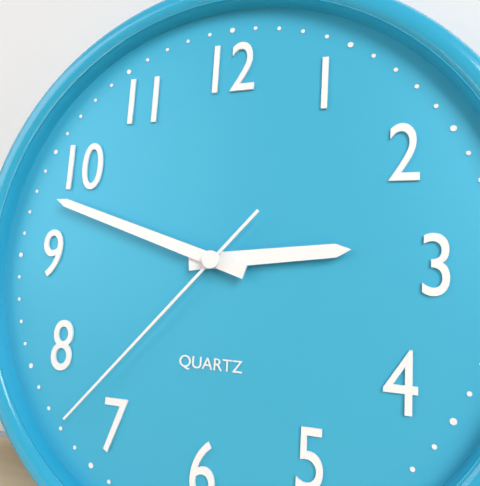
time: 2:48:37
